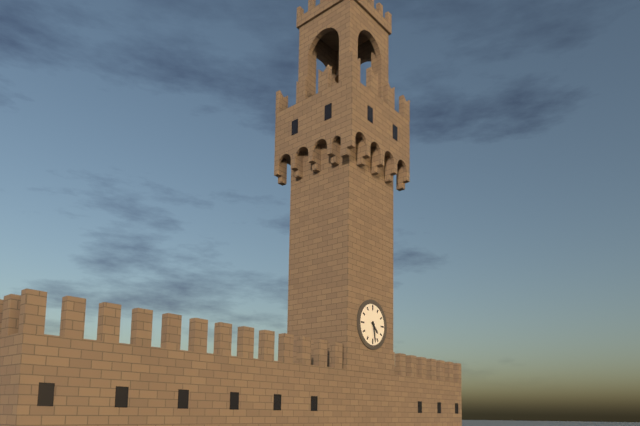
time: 4:28
